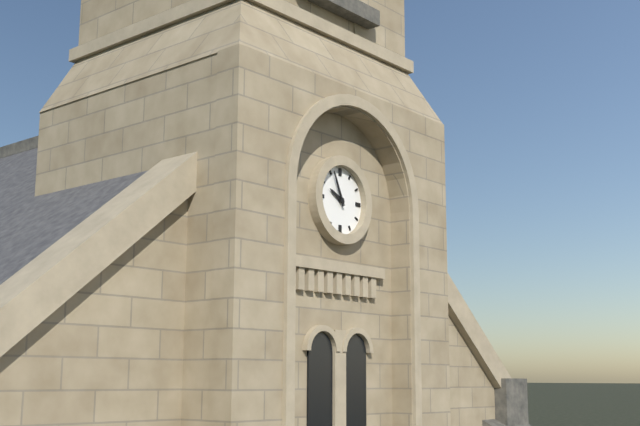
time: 9:56
